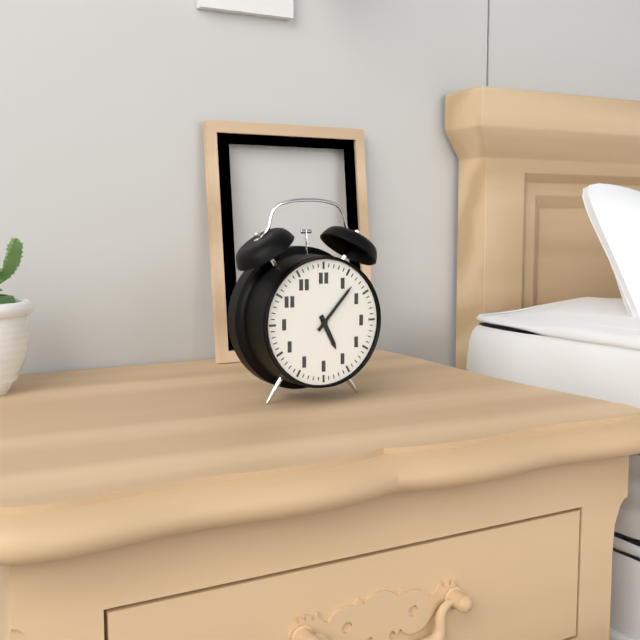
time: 5:07
